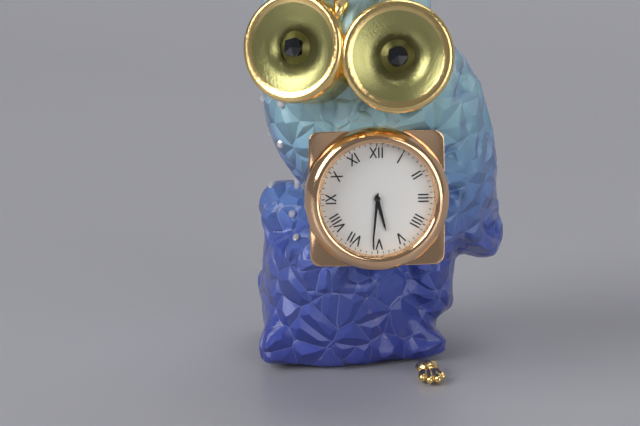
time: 5:31
